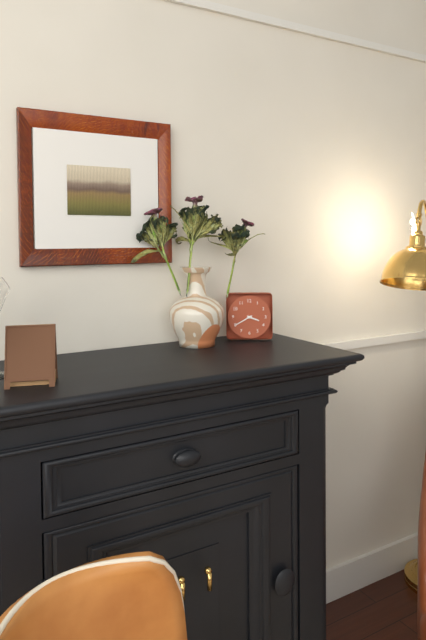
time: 3:40
